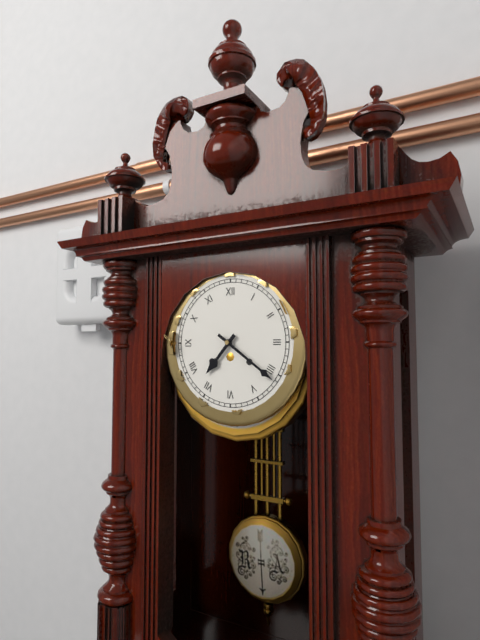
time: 7:21
